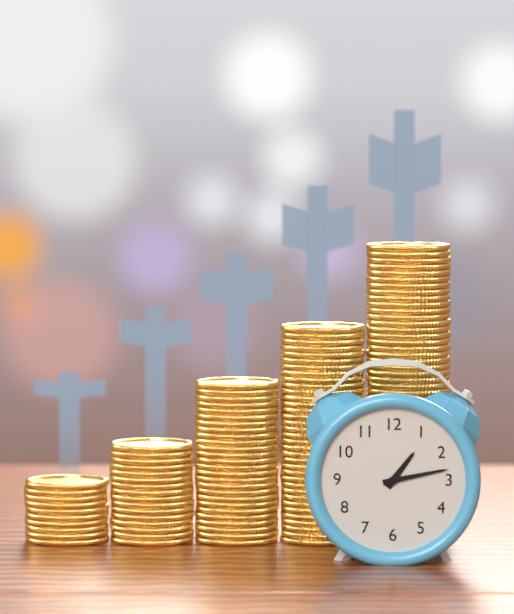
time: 1:13
